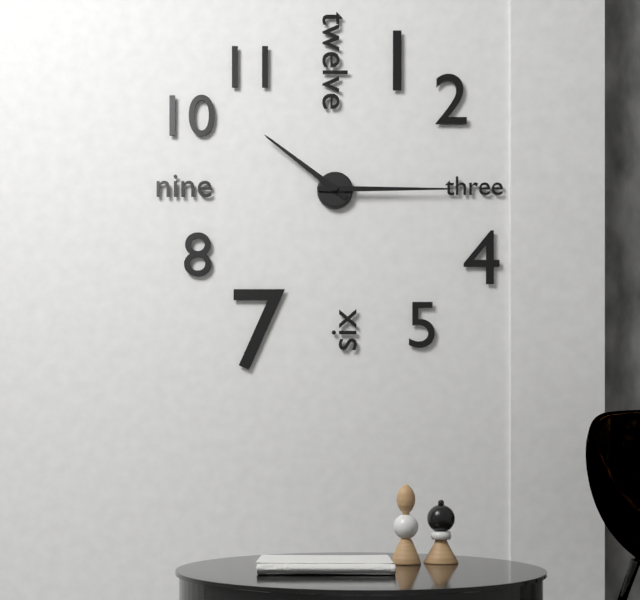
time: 10:15
